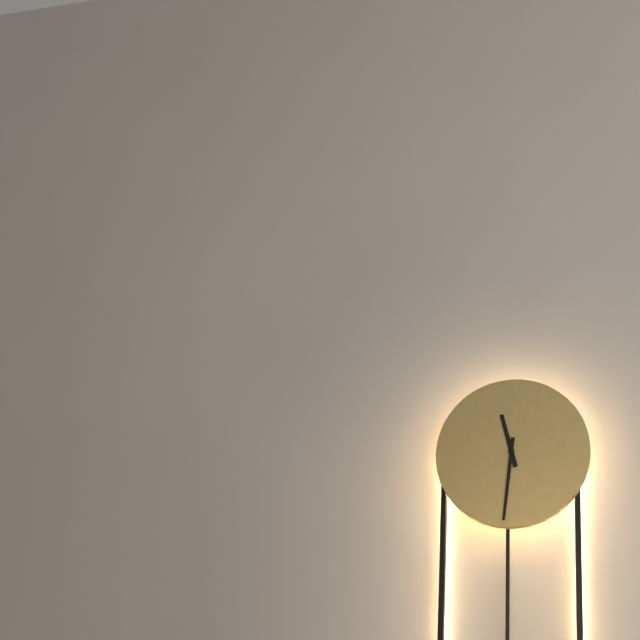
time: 11:31
